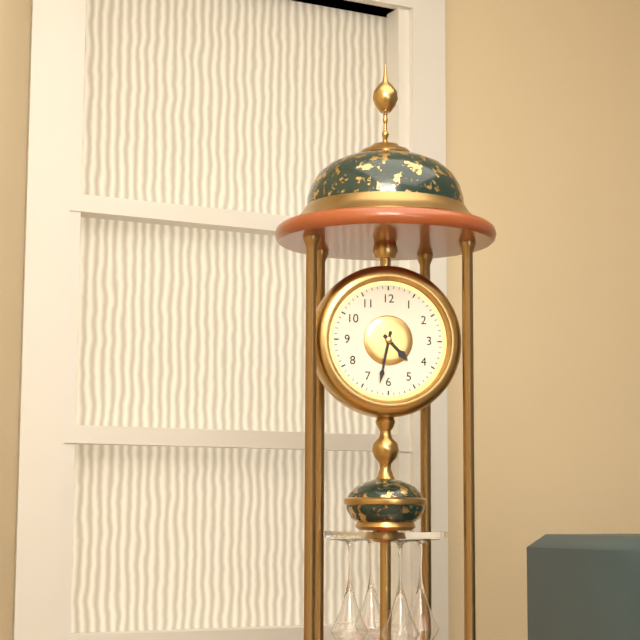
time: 4:32
